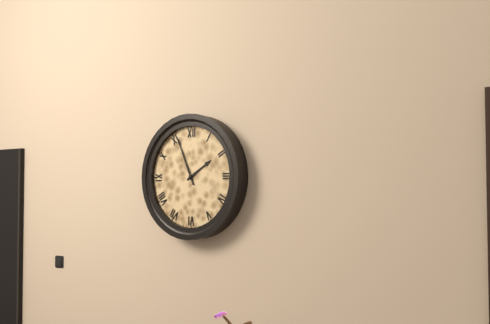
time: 1:56
